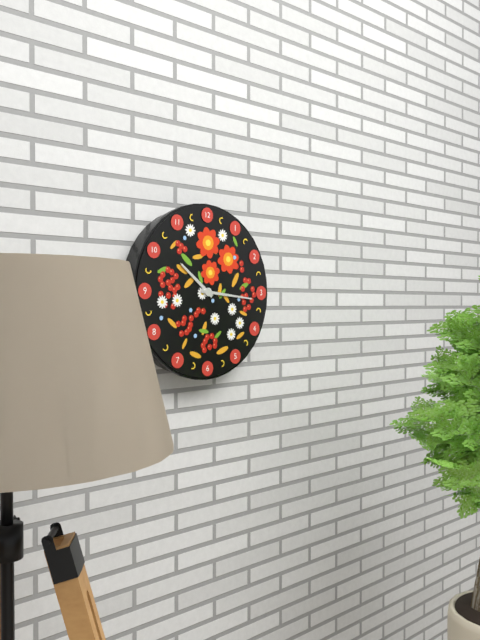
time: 10:16
